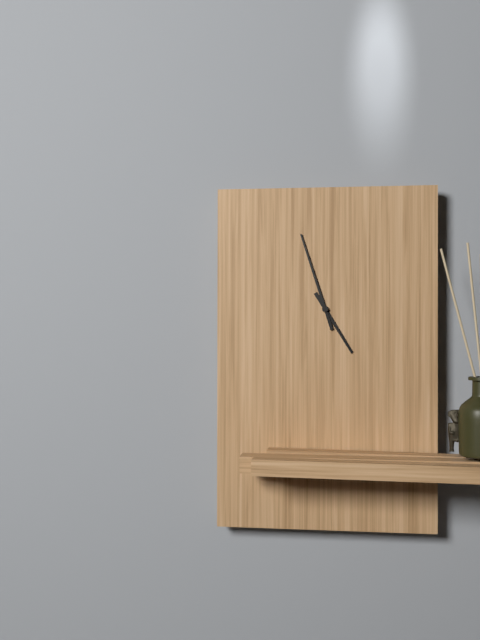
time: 4:57
